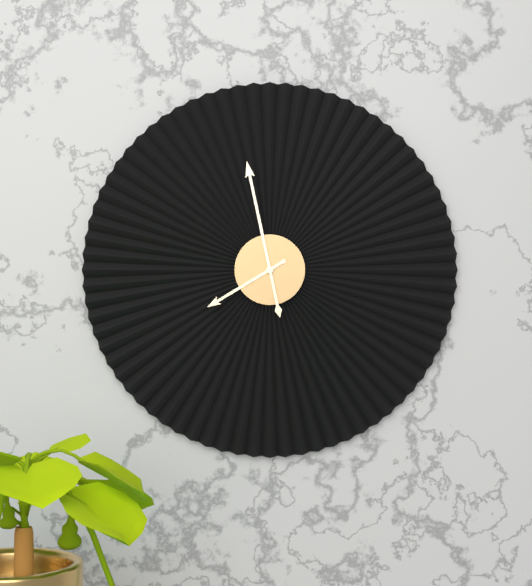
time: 7:58
